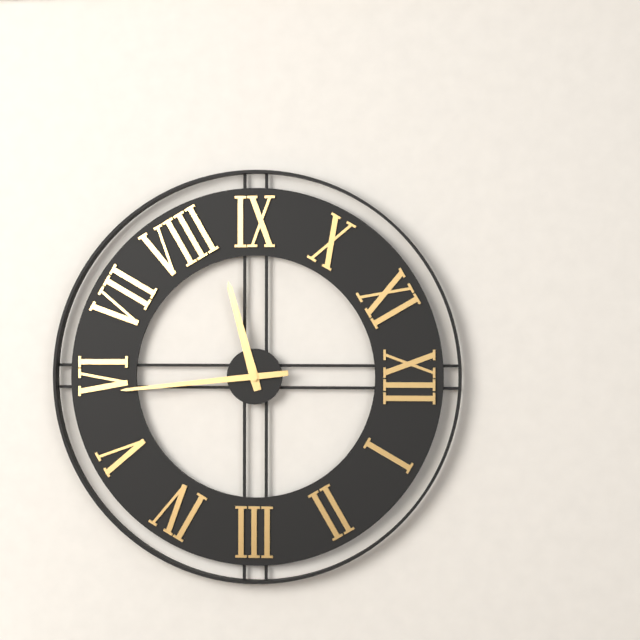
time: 8:29
